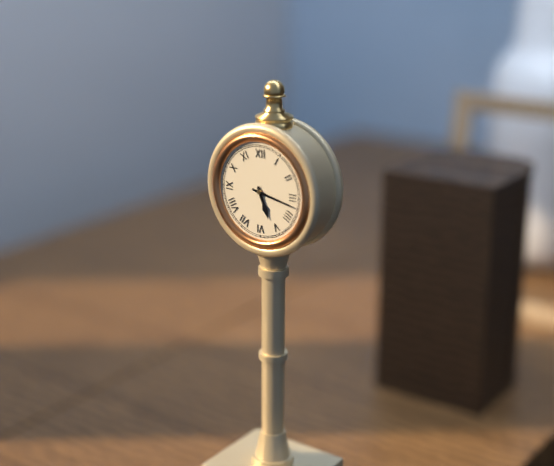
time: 5:17
